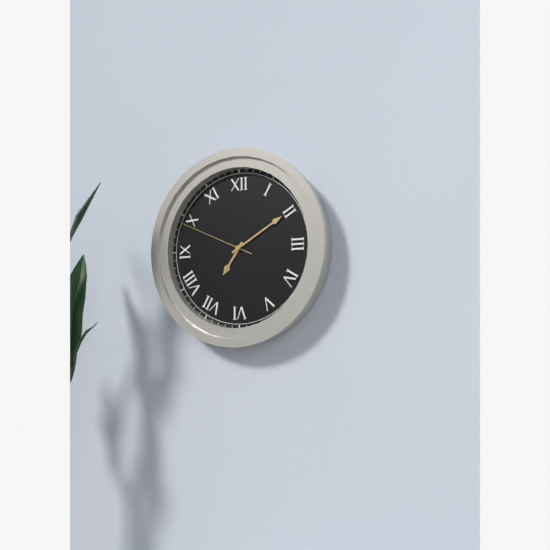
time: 7:10:49
